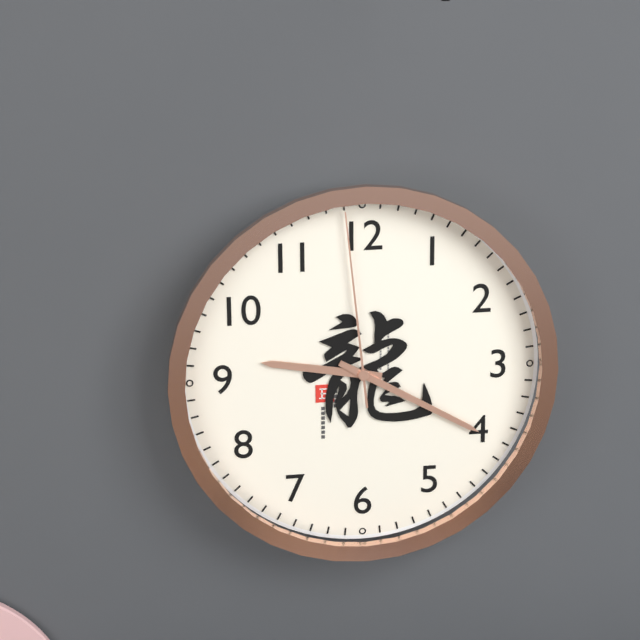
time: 9:20:59
